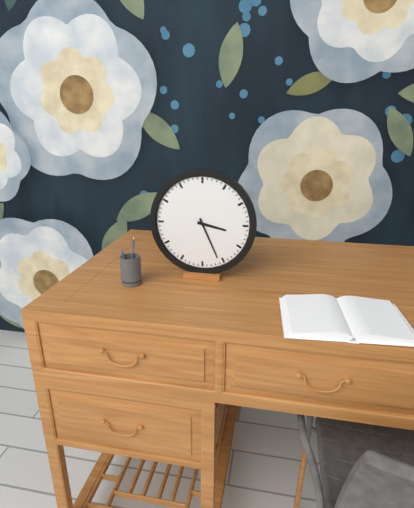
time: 3:26
